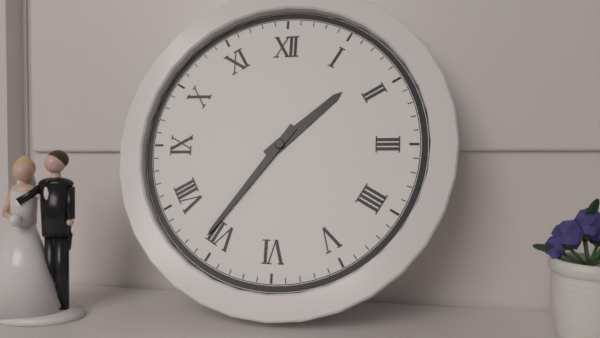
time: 1:36
